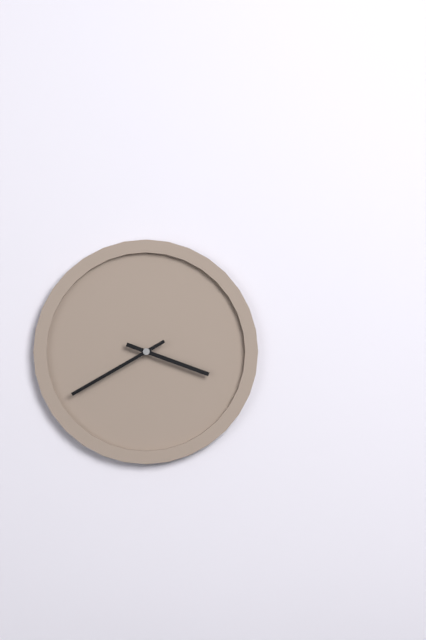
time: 3:40
